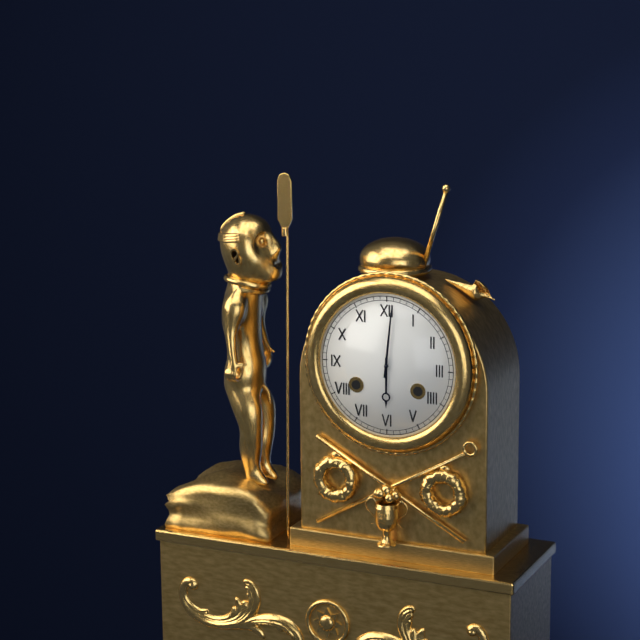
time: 6:01
